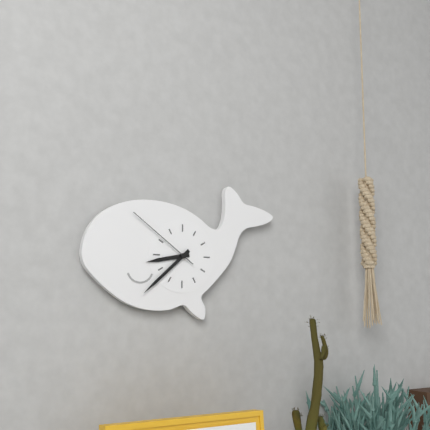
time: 8:38:51
